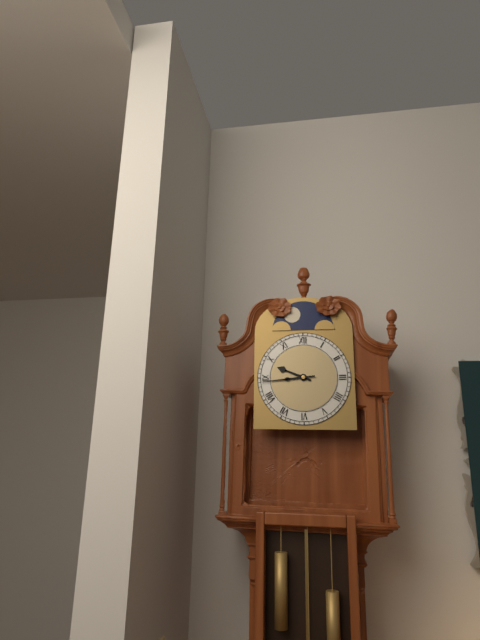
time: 9:44
